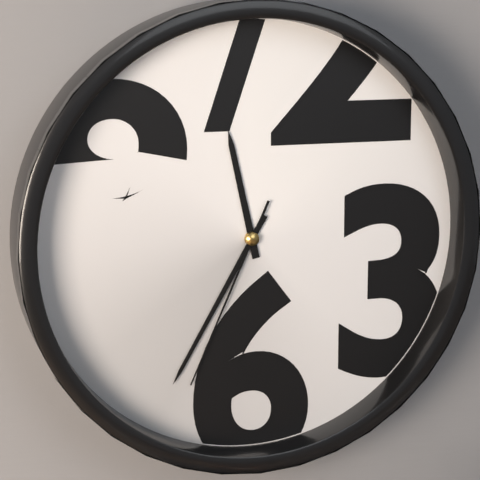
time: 11:35:34
